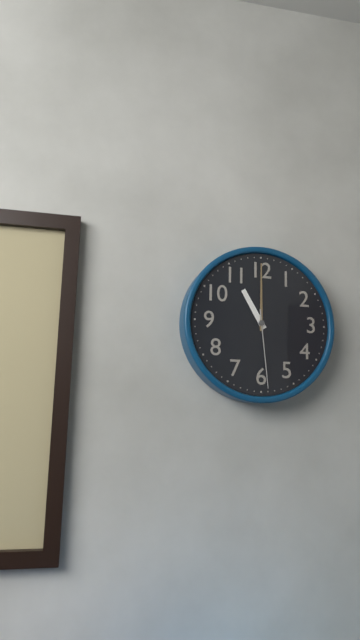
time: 11:00:29
